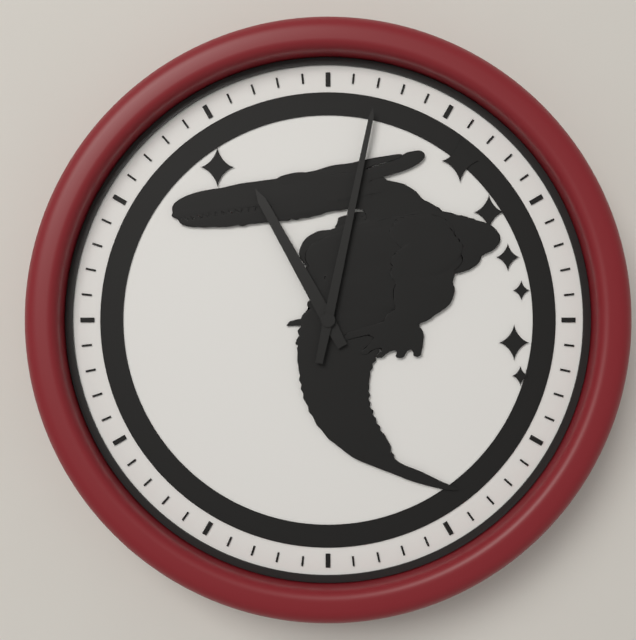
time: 11:02
